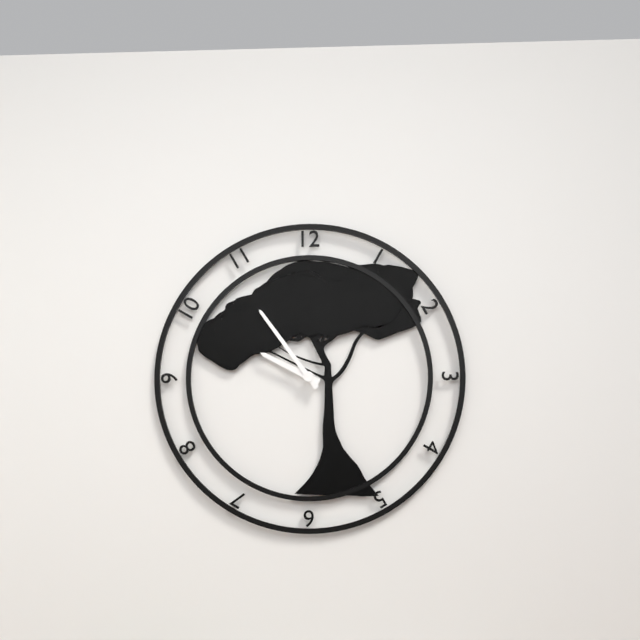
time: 9:54
